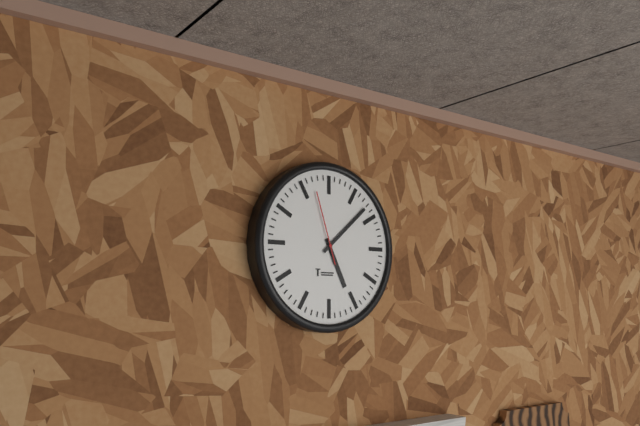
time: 5:08:57
